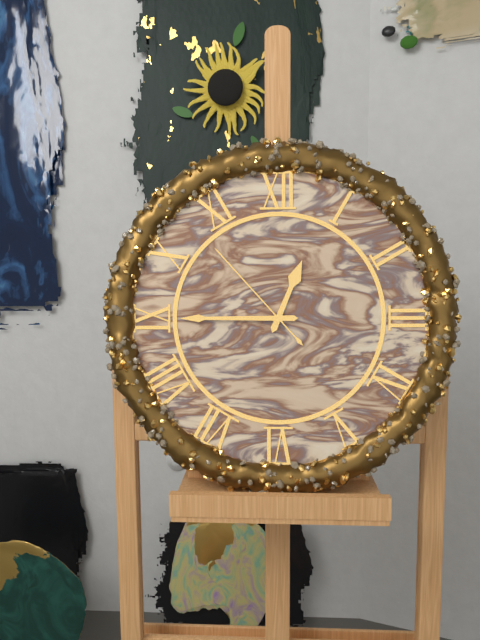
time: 12:45:53
